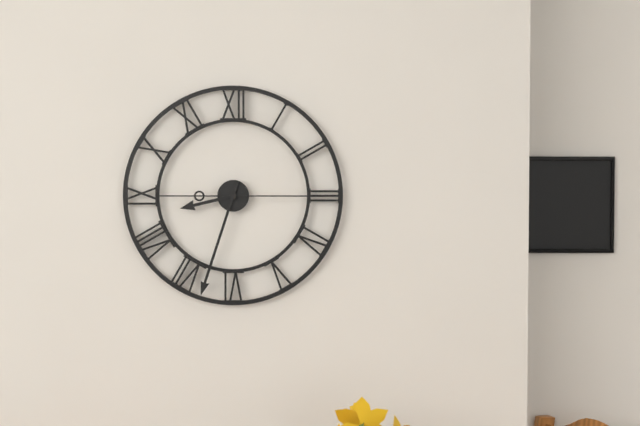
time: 8:33:15
